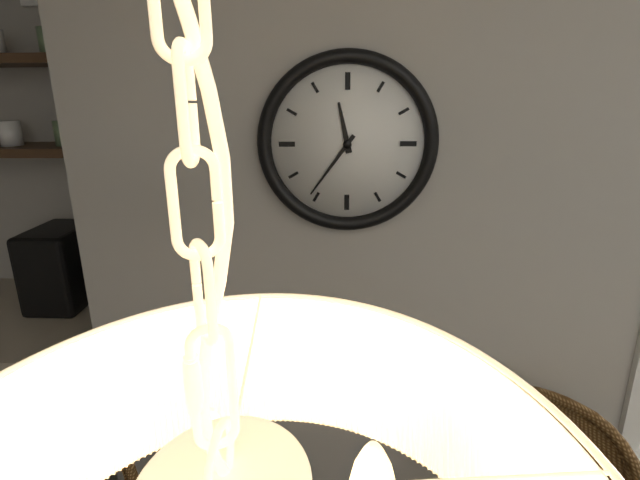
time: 11:36
